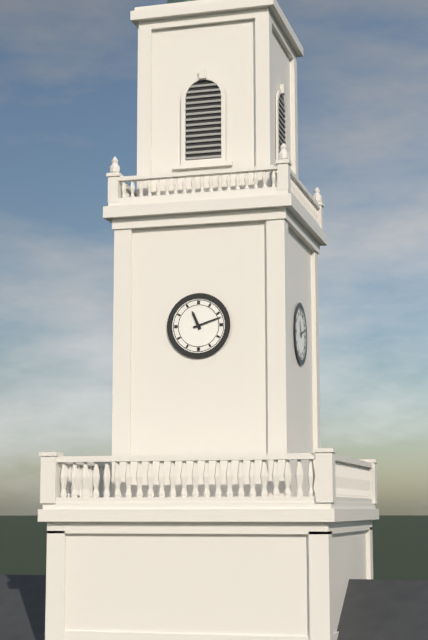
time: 11:12
